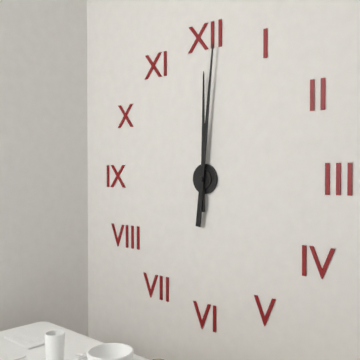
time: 12:01
